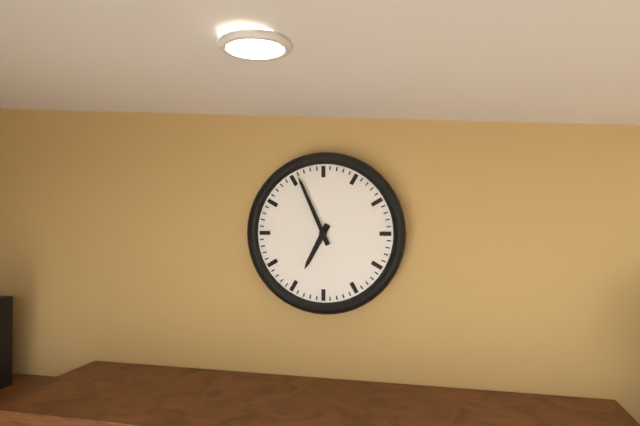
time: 6:56
